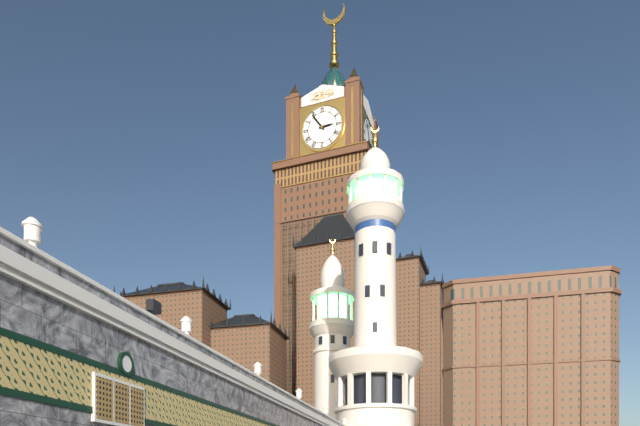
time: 2:54
